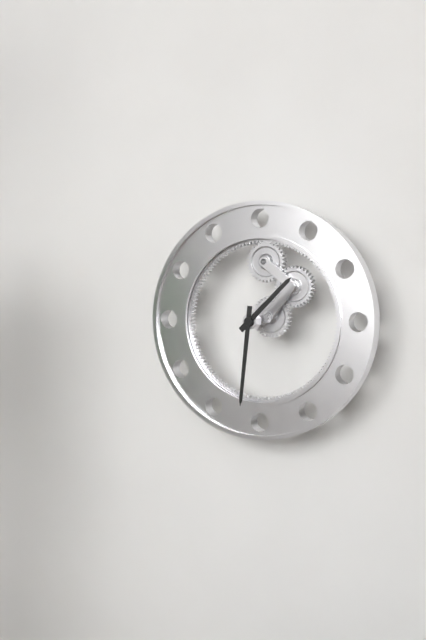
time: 1:31
